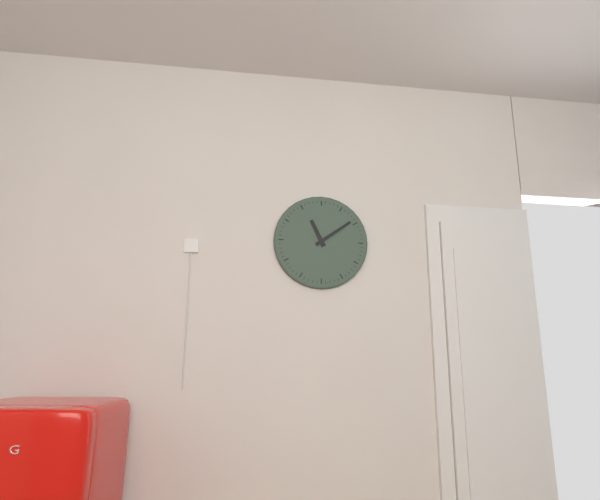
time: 11:09
